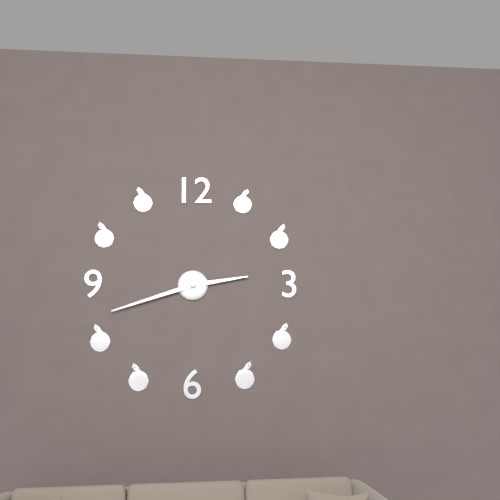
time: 2:42
